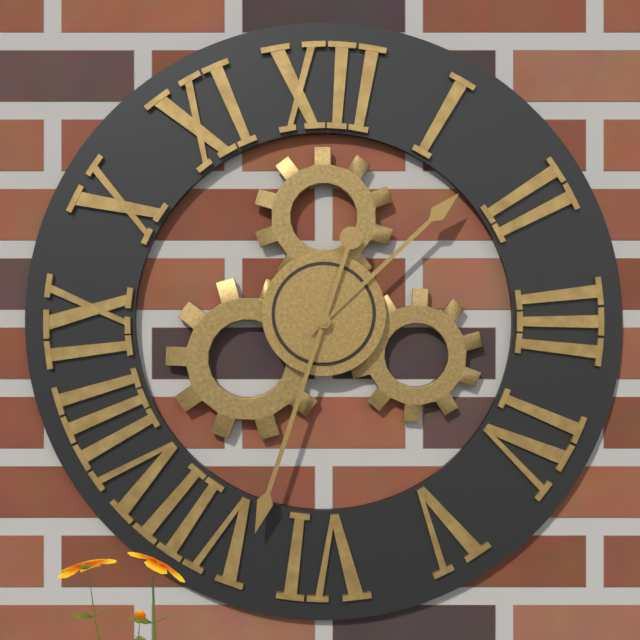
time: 1:33
